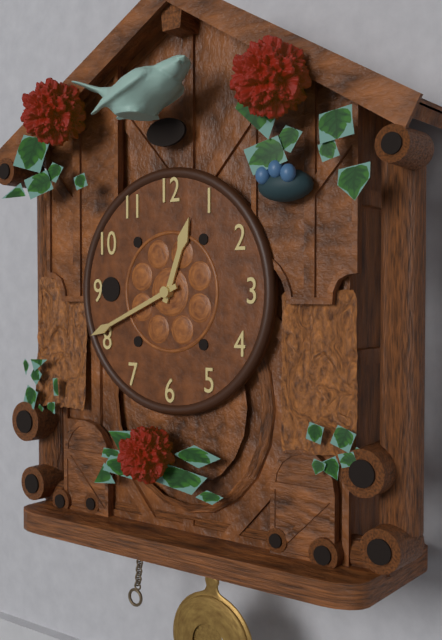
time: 12:41
